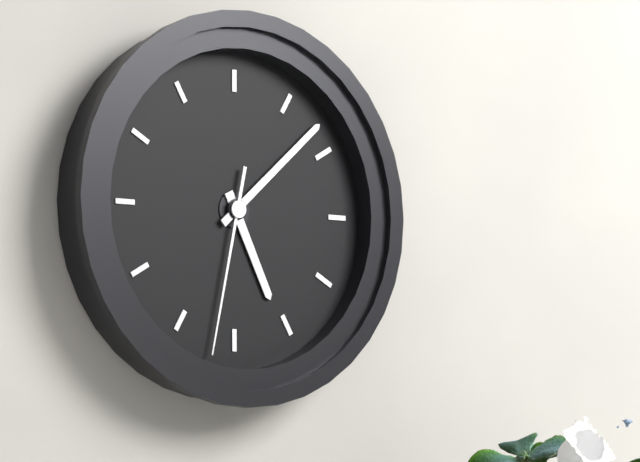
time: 5:08:32
